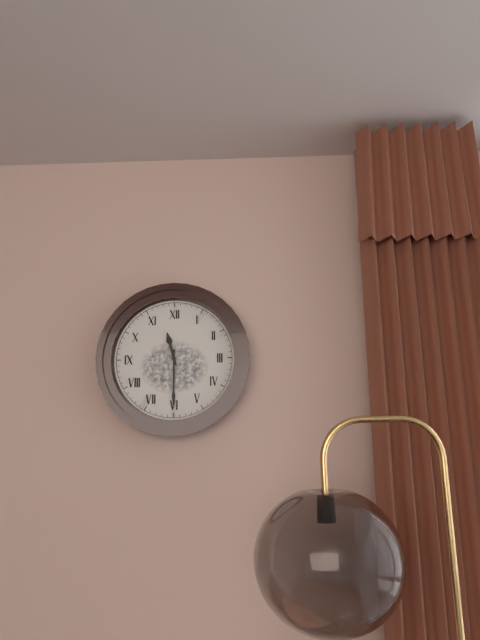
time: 11:30
